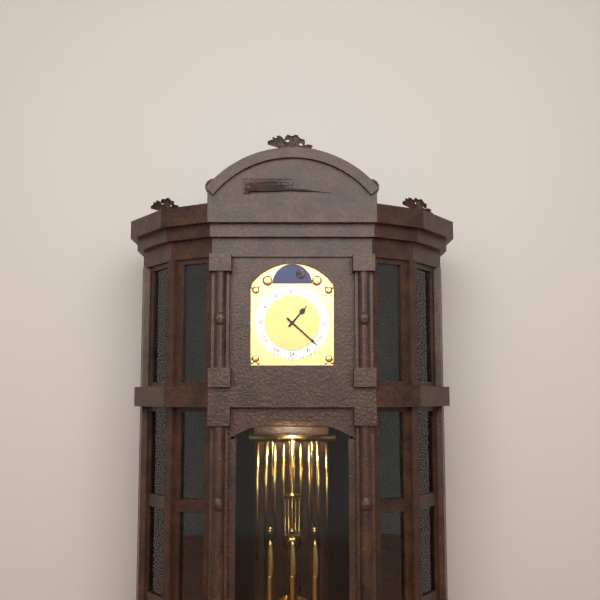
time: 1:22
